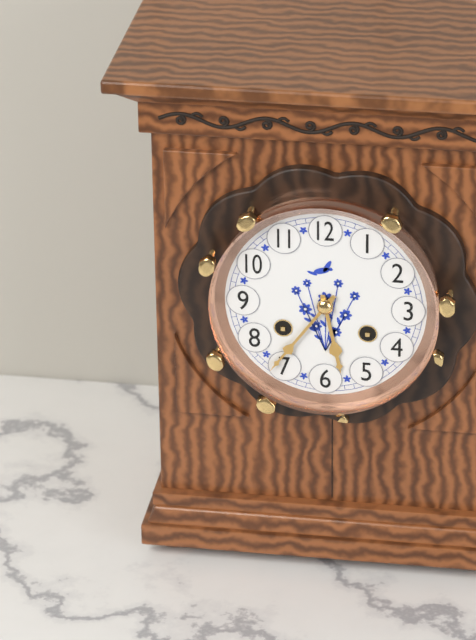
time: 5:36
